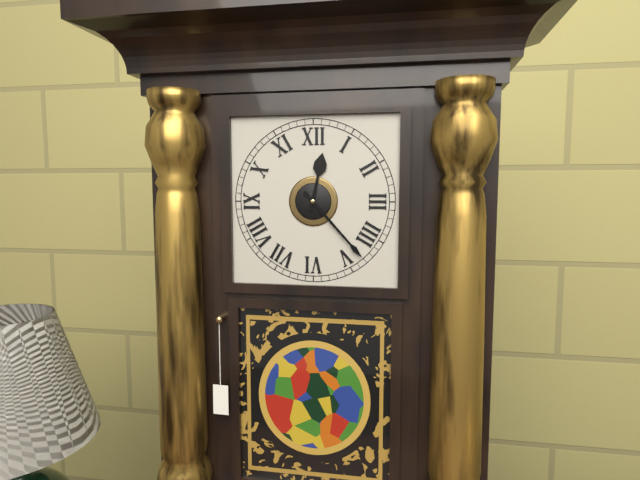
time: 12:23
